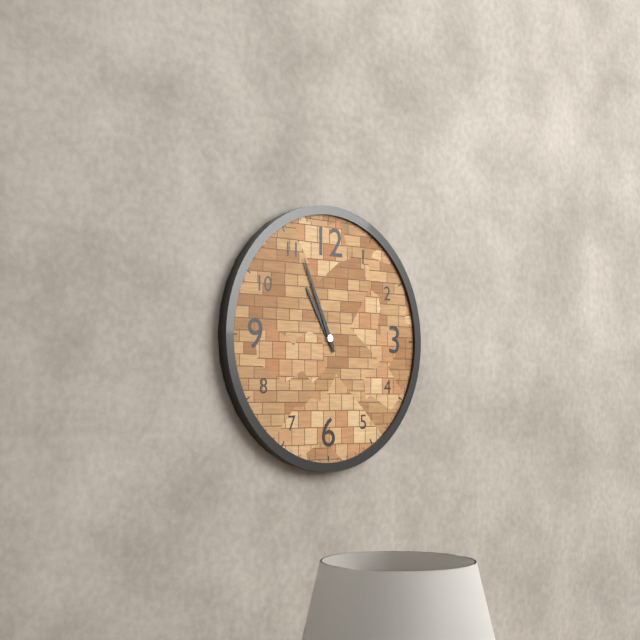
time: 10:56
